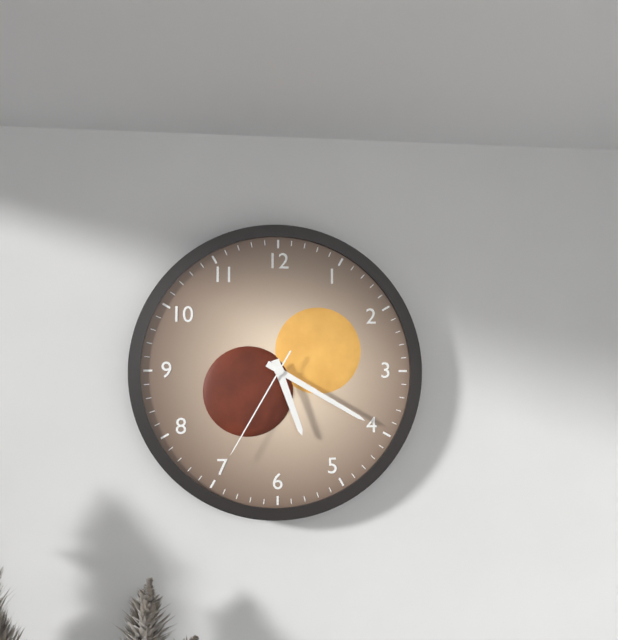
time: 5:20:35
